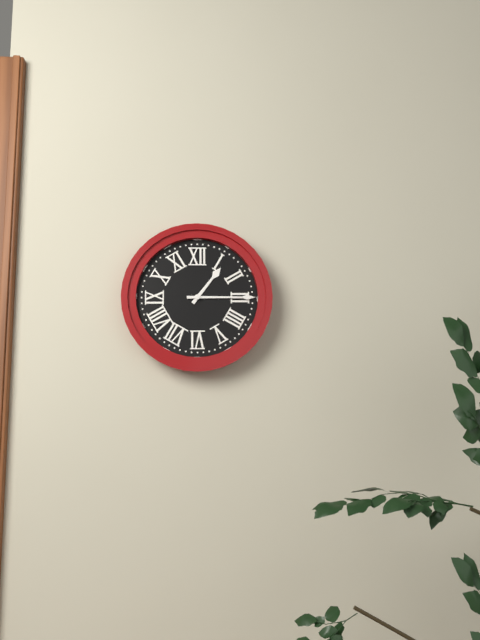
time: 1:15
